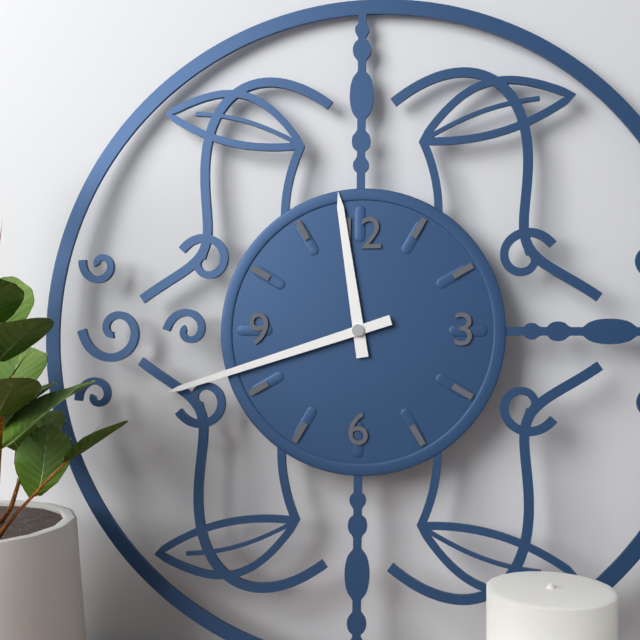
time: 11:42
